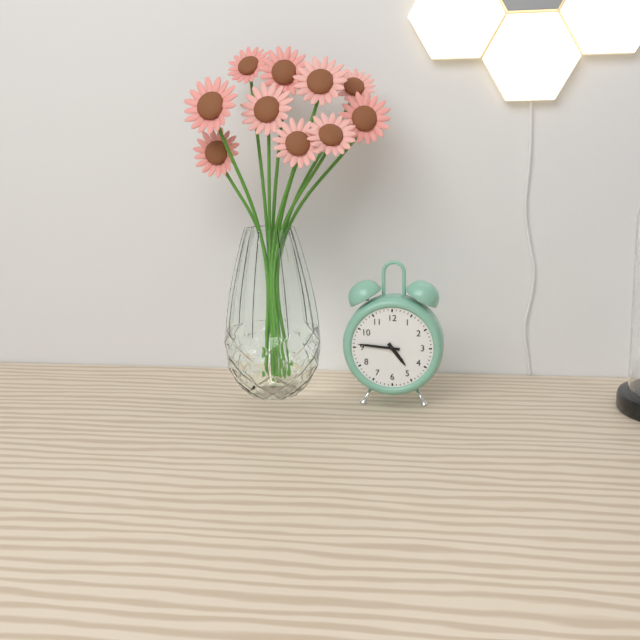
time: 4:46
